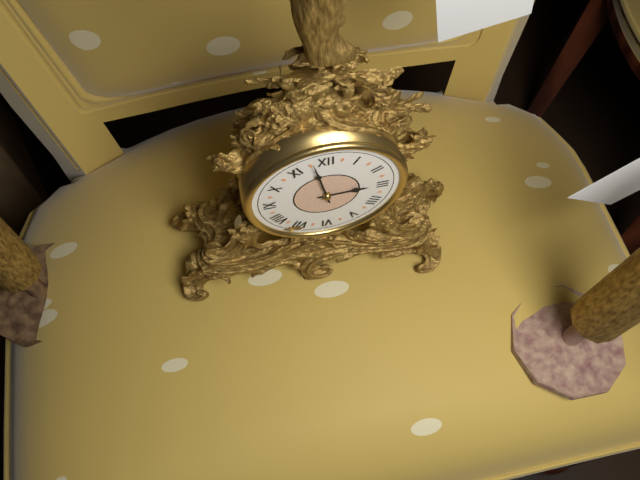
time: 2:58
